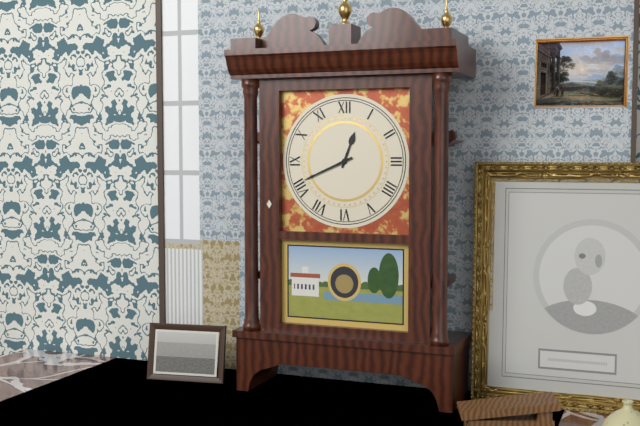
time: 12:41
